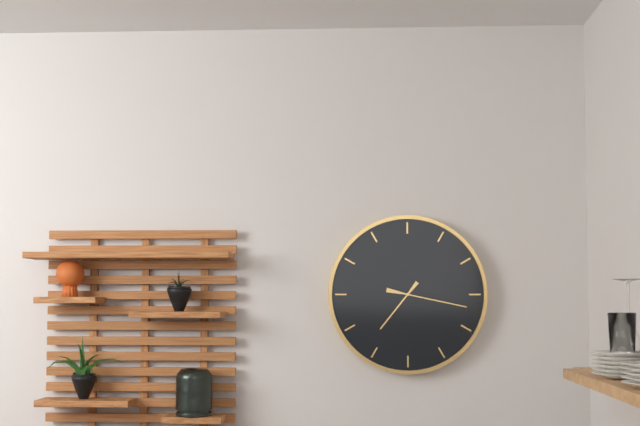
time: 7:17
